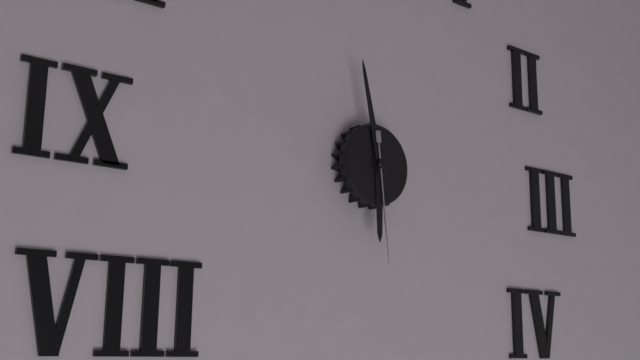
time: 5:58:29
